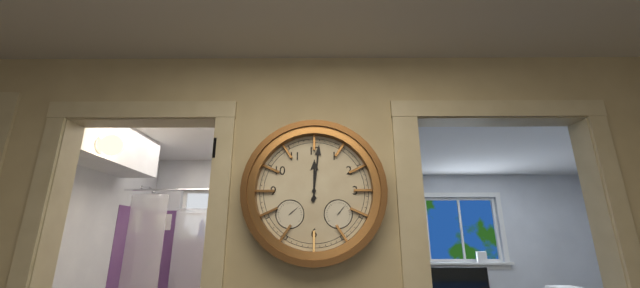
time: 12:01
